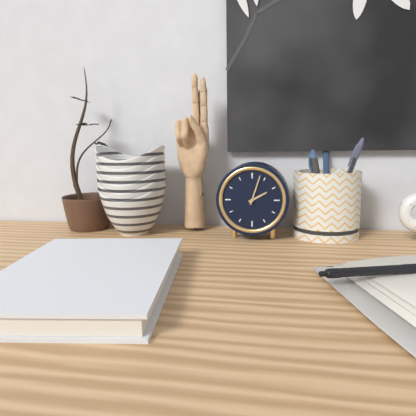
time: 2:03
